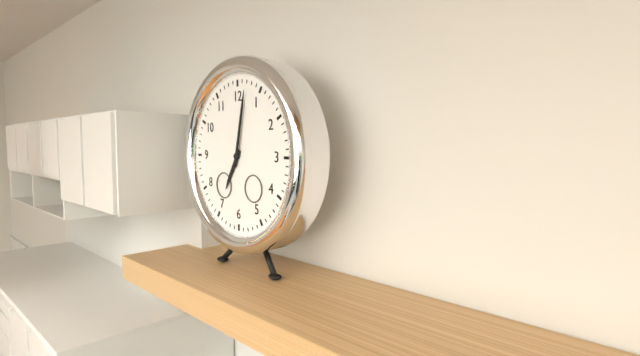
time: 7:02
